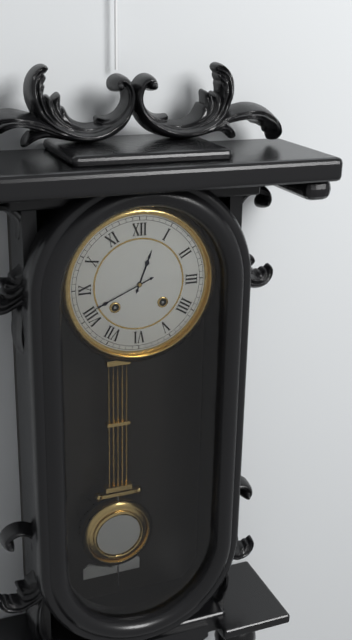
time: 12:41
